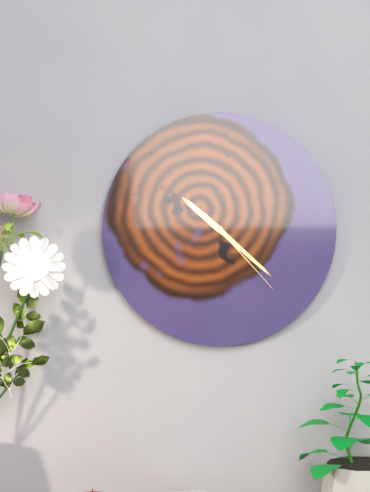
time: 10:22:23
